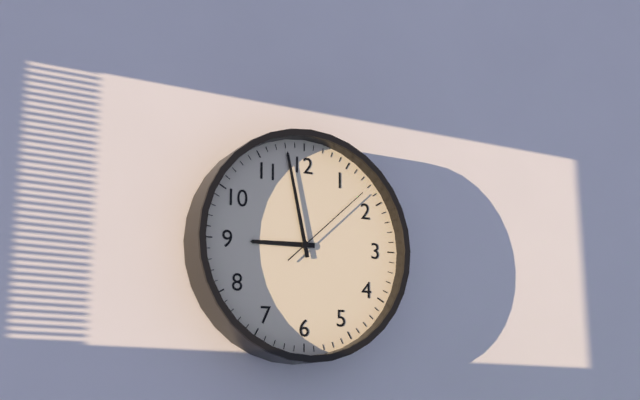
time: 8:58:08
